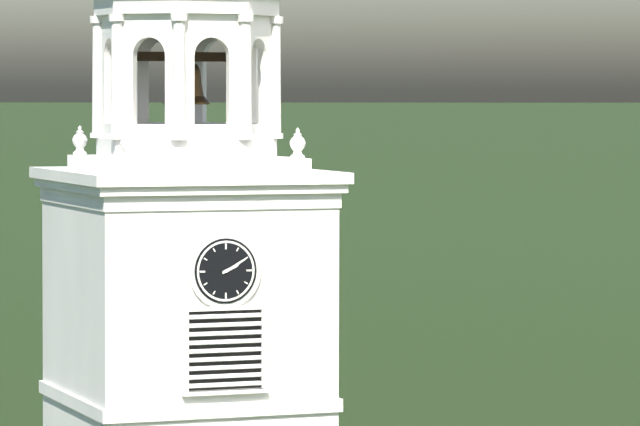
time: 2:10
